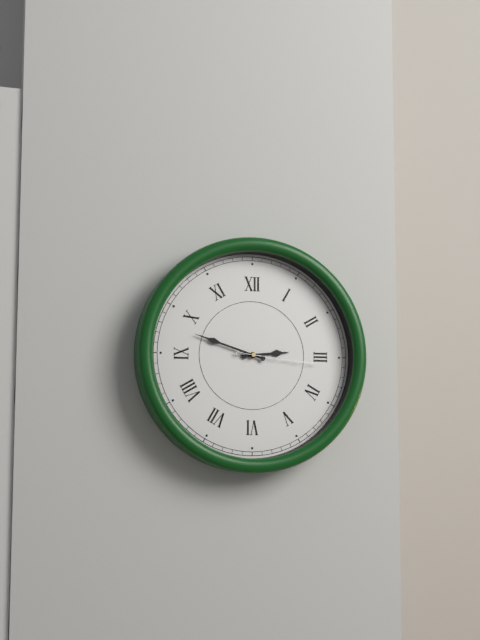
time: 2:48:16
